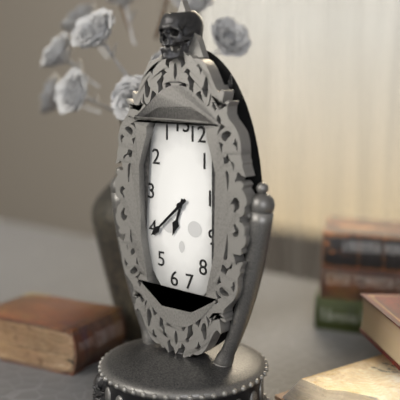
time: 6:38
